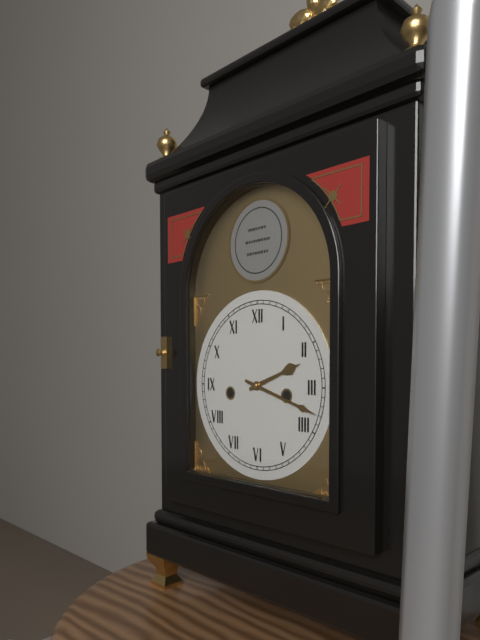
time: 2:18
